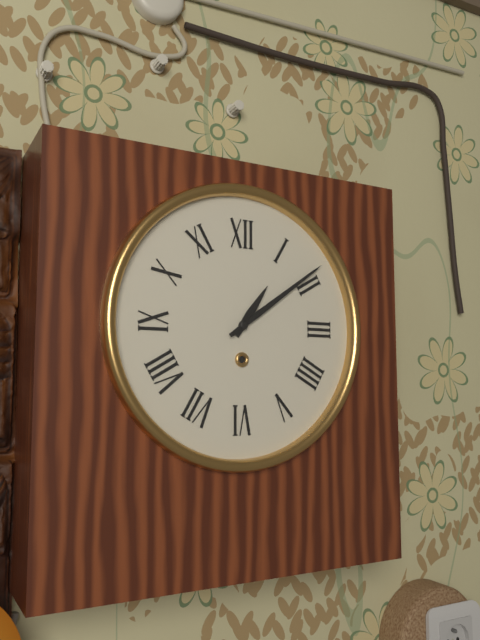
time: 1:09
